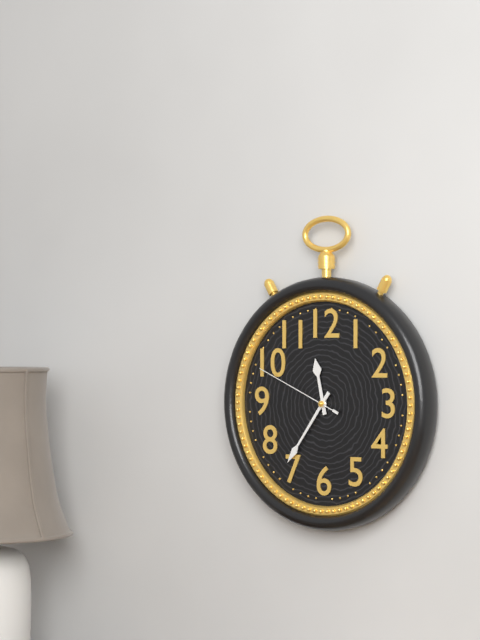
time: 11:36:49
